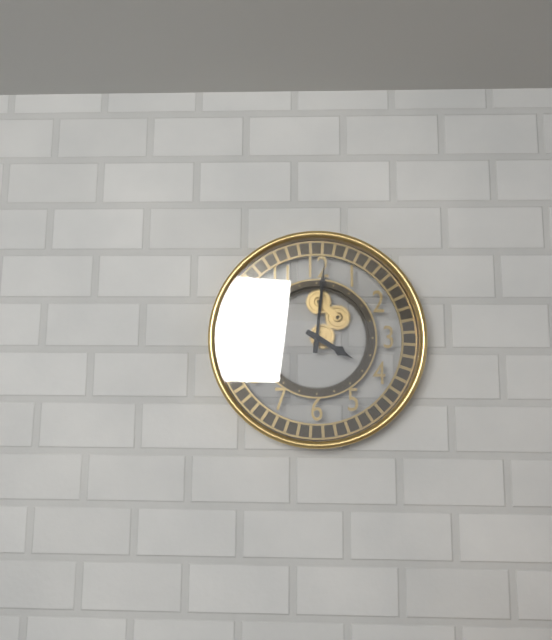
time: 4:01
